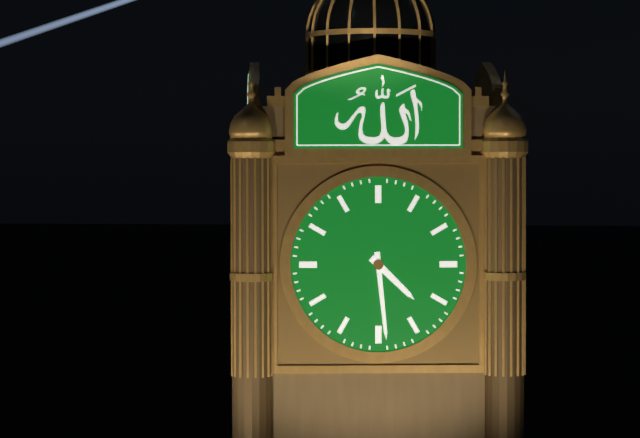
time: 4:29
